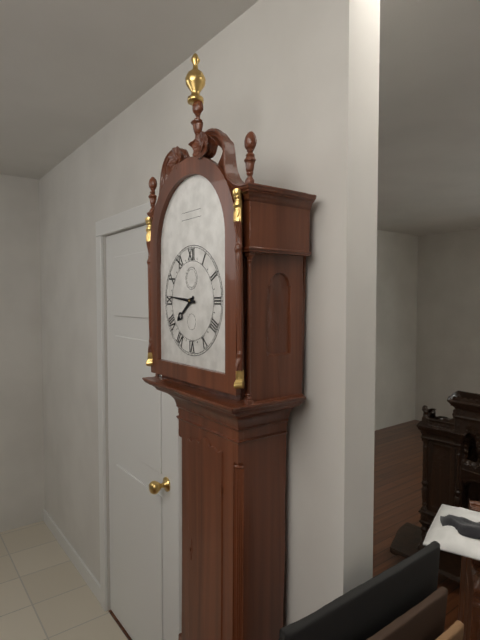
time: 7:46
